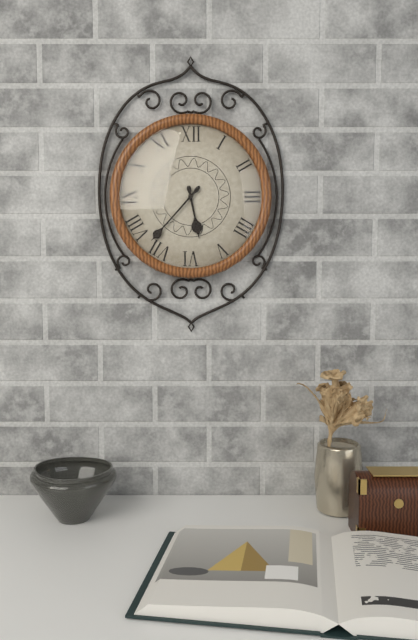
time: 5:37
